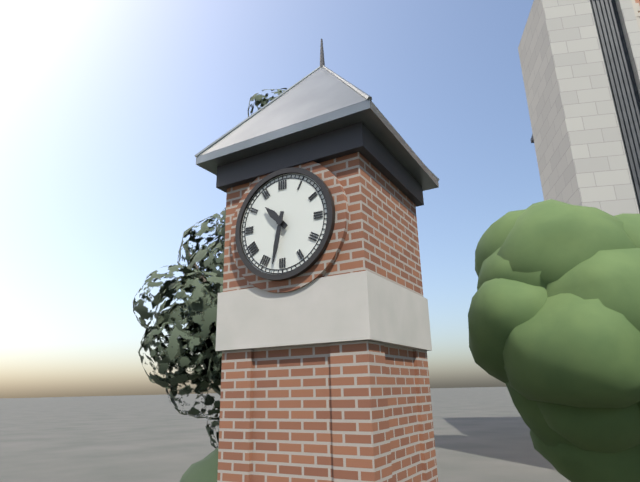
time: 10:32
